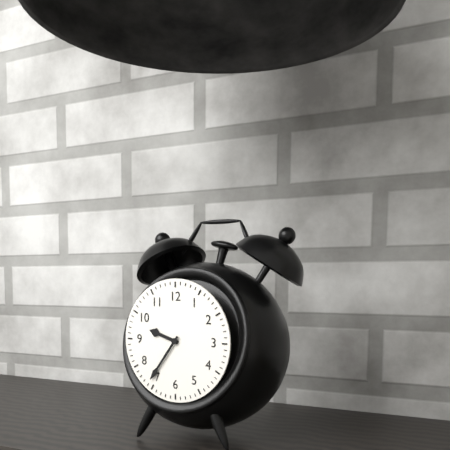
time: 9:36
